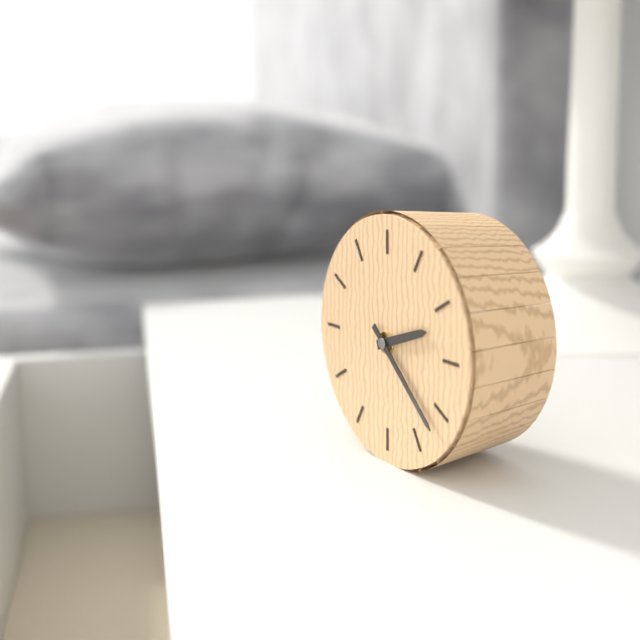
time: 2:22
